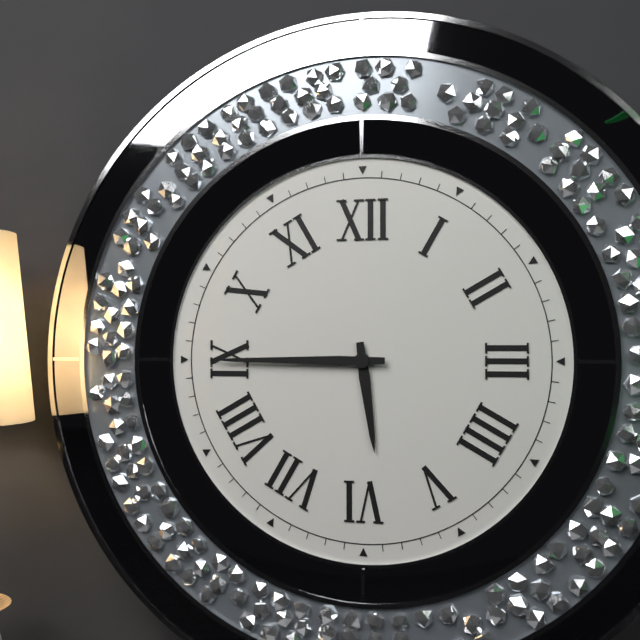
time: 5:45
